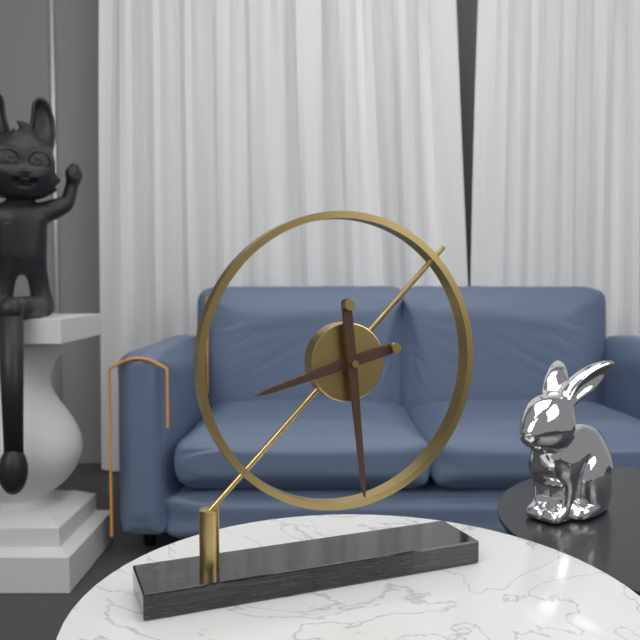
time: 8:29
